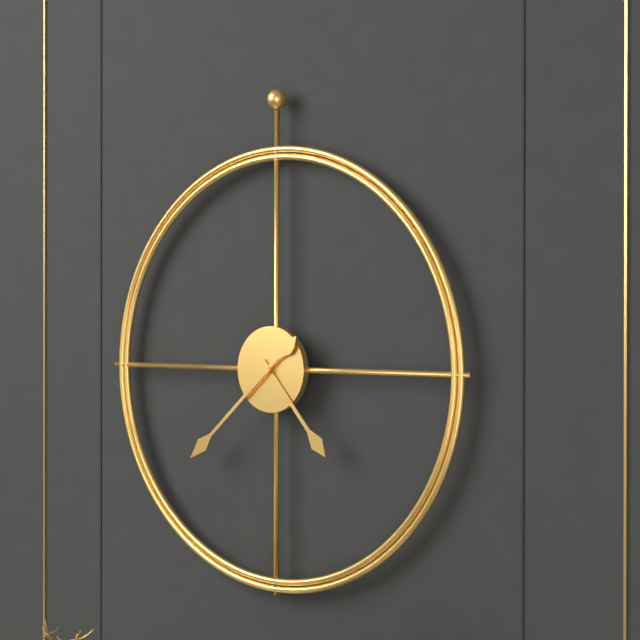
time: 4:38
